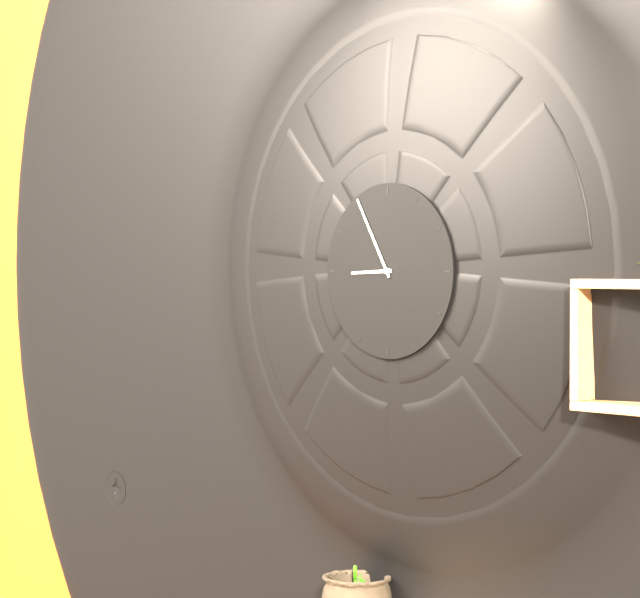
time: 8:55
